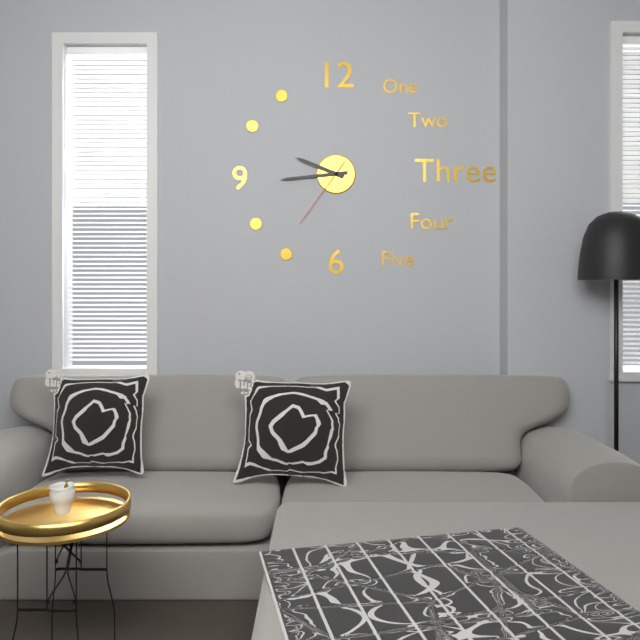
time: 9:44:36
